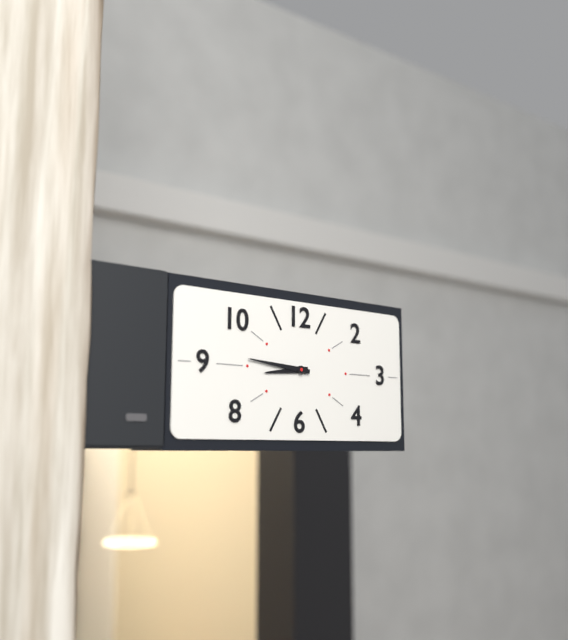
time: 8:46
